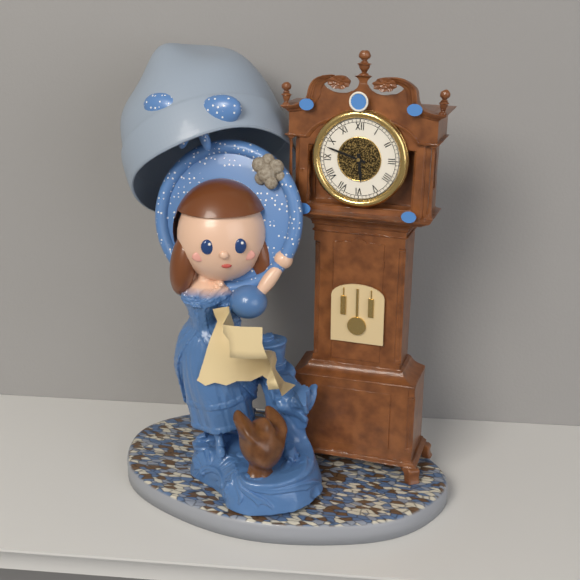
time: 5:48
